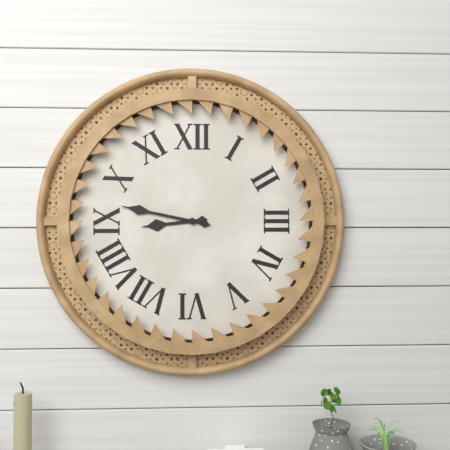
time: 8:47
